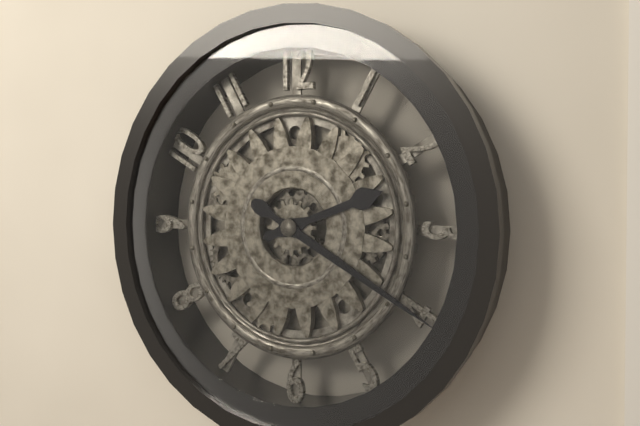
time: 2:20
